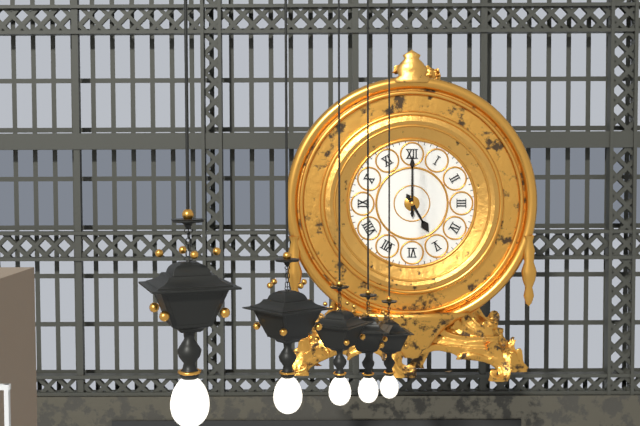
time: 5:00
